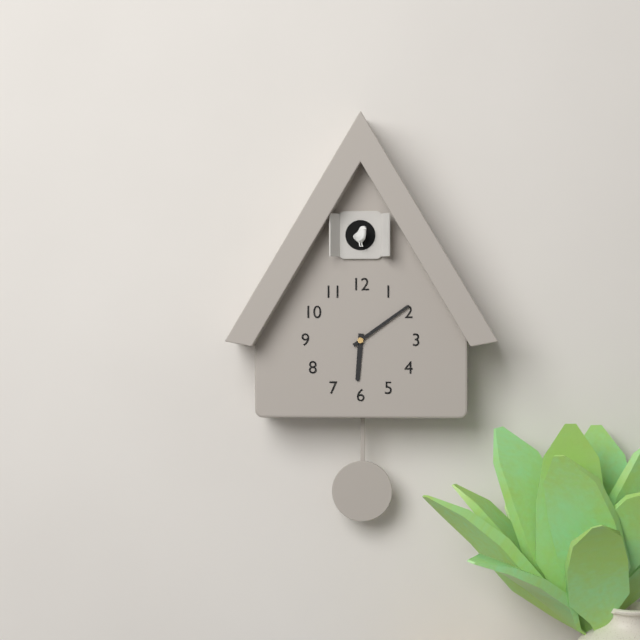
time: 6:09
